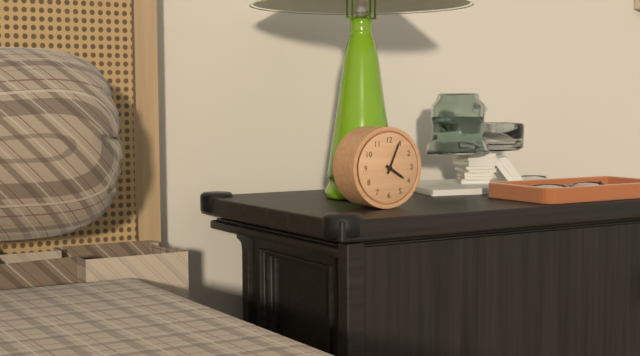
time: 4:04
